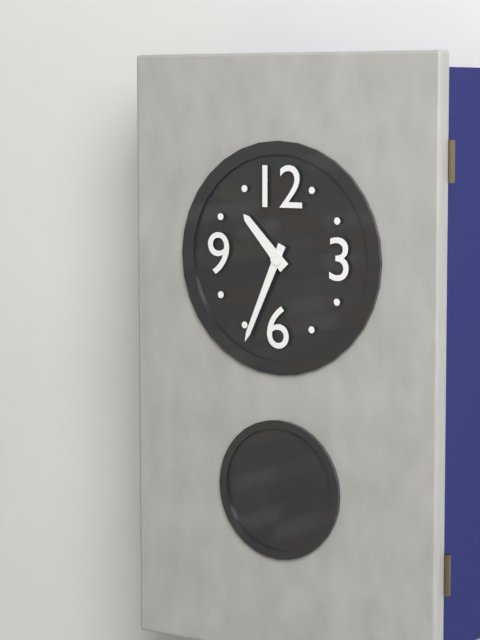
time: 10:34
